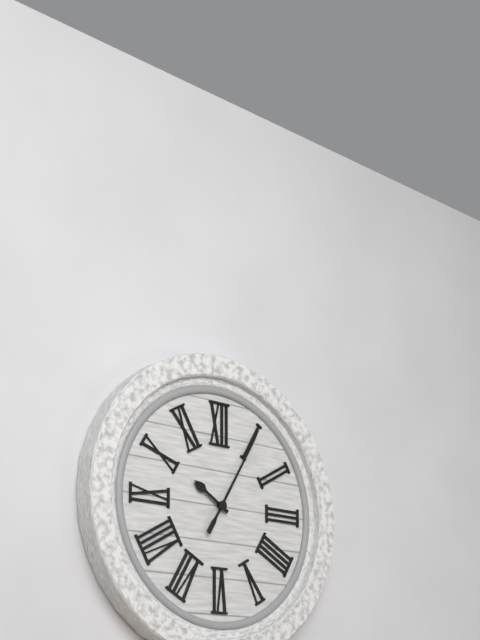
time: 10:05
